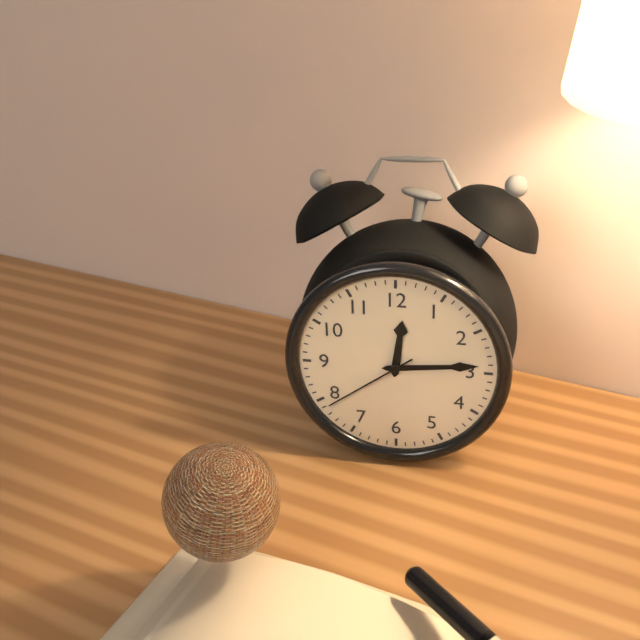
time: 12:14:39
